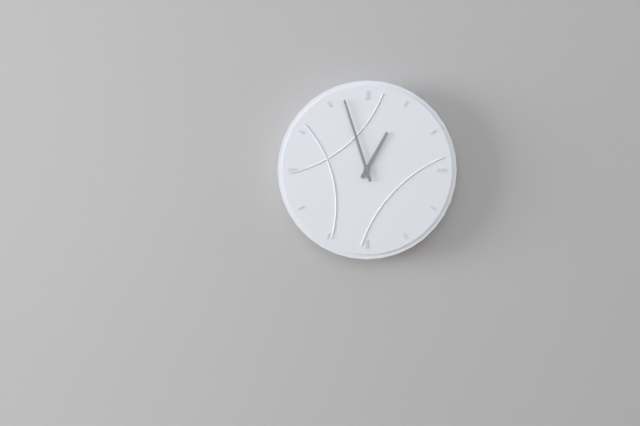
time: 12:57
